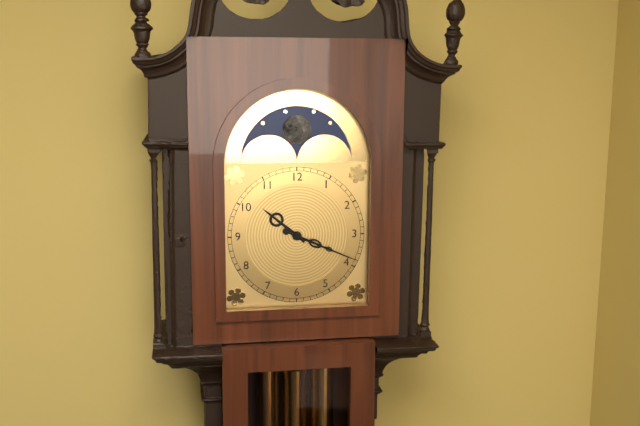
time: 10:19
